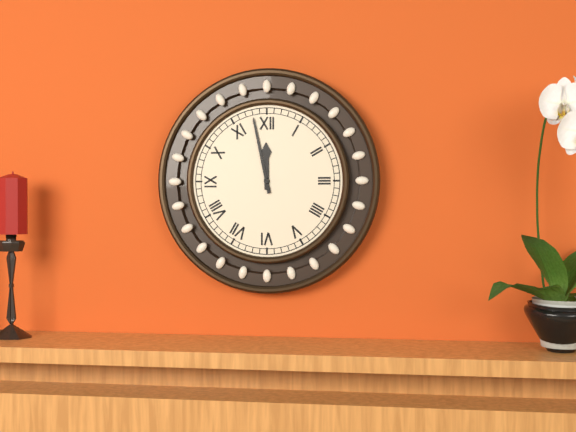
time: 11:58
